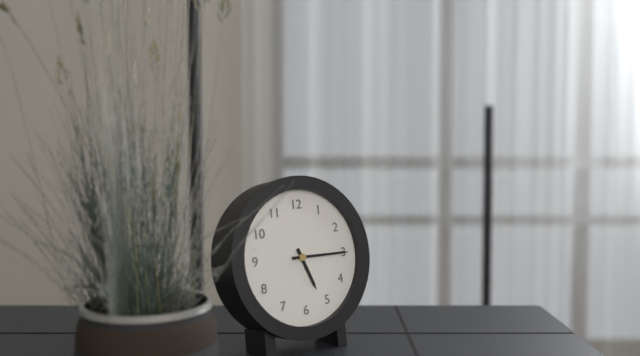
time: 5:15
